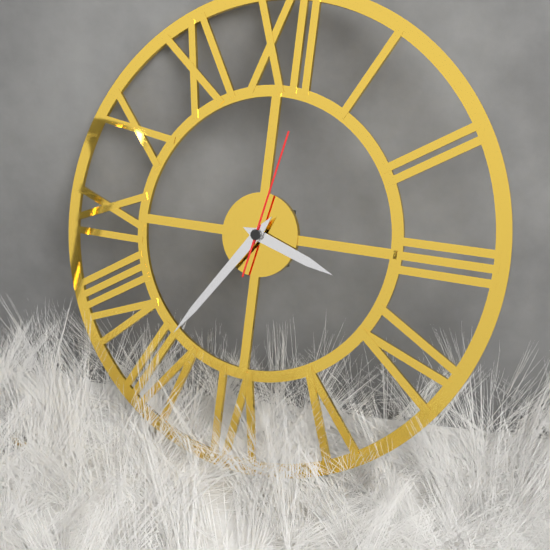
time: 3:36:02
